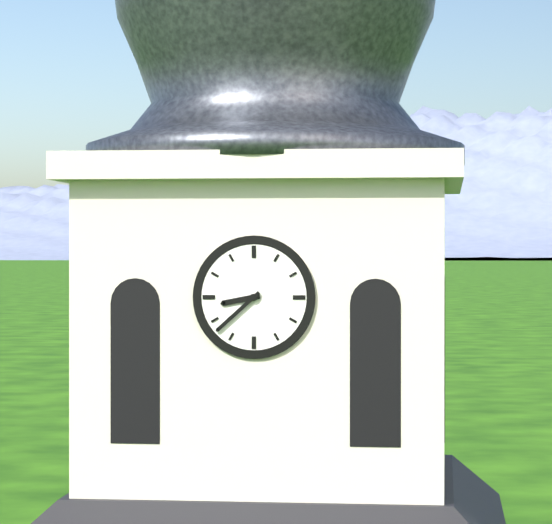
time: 8:38
